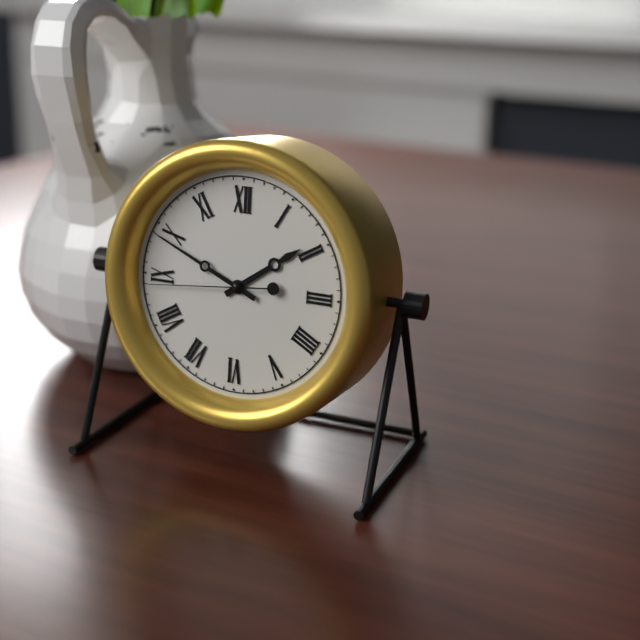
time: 1:49:44
